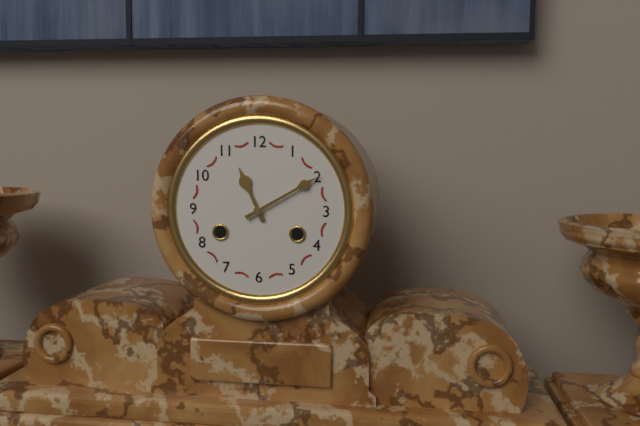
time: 11:10
